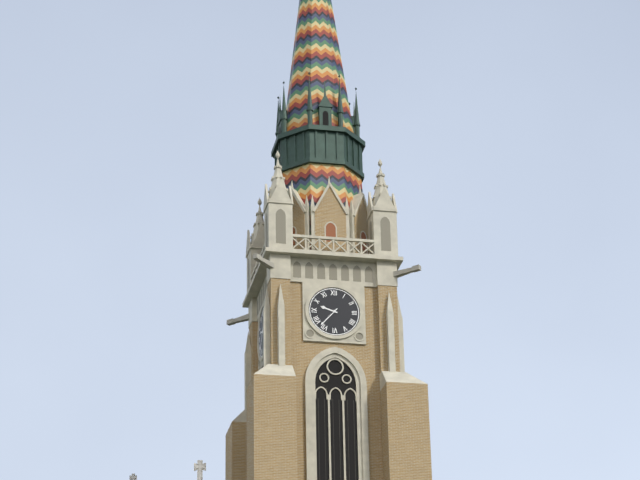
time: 9:37
